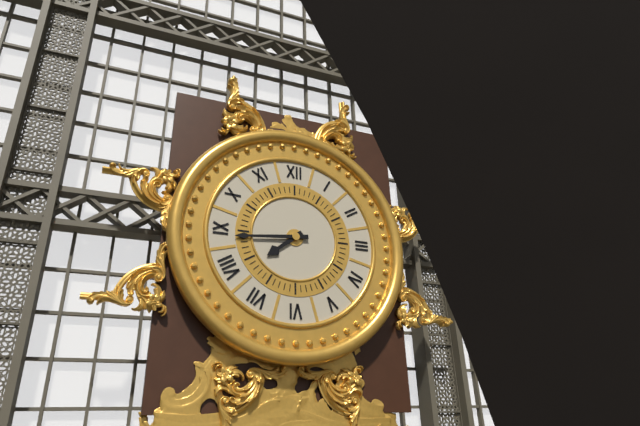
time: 7:44
